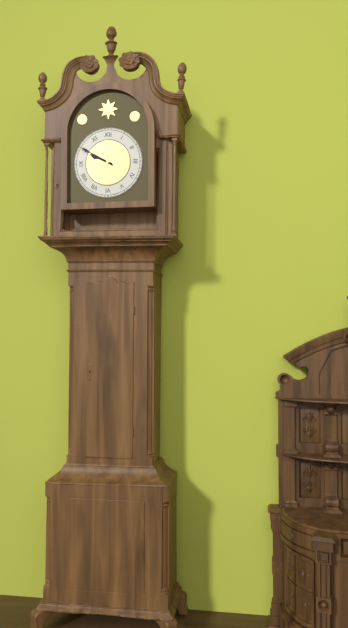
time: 9:50
